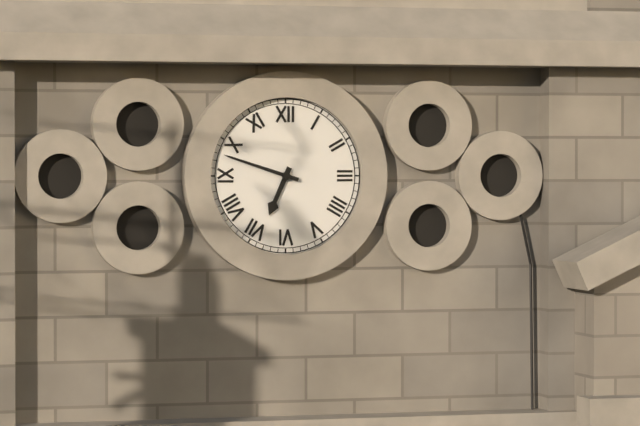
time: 6:48
